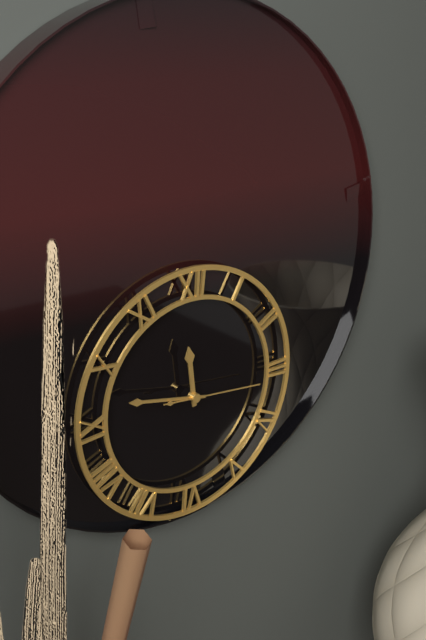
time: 11:47:16
